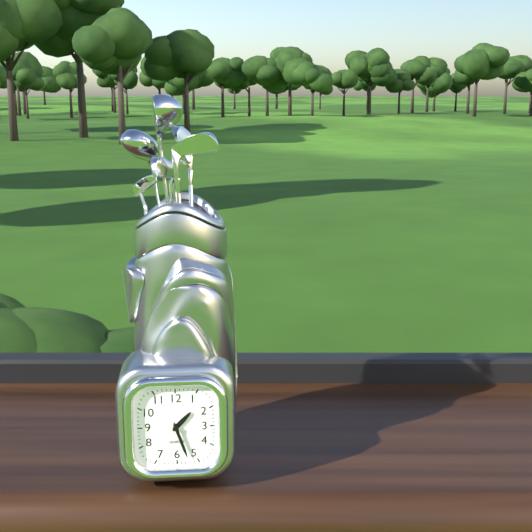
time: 1:27
